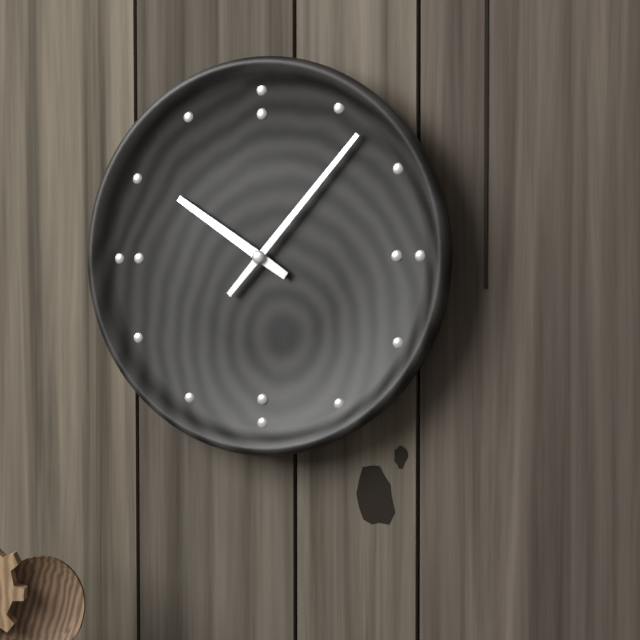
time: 10:07
